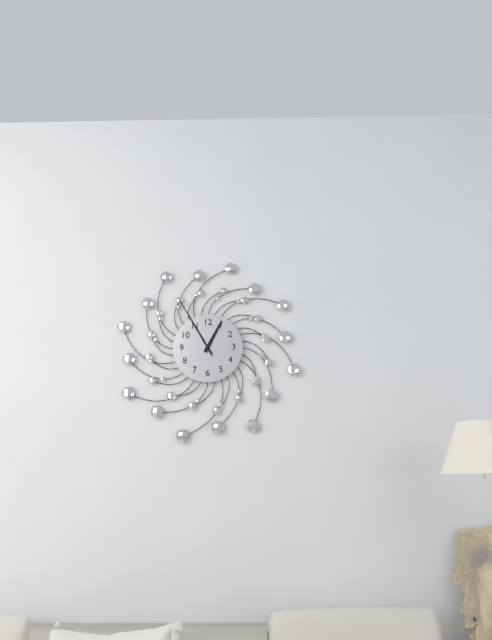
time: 12:55
